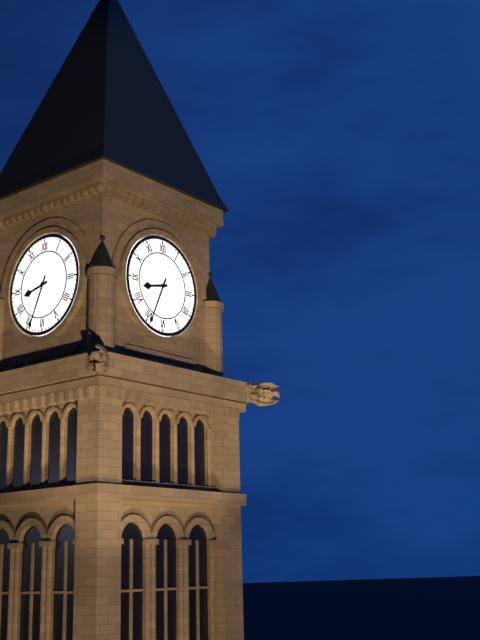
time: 8:34
